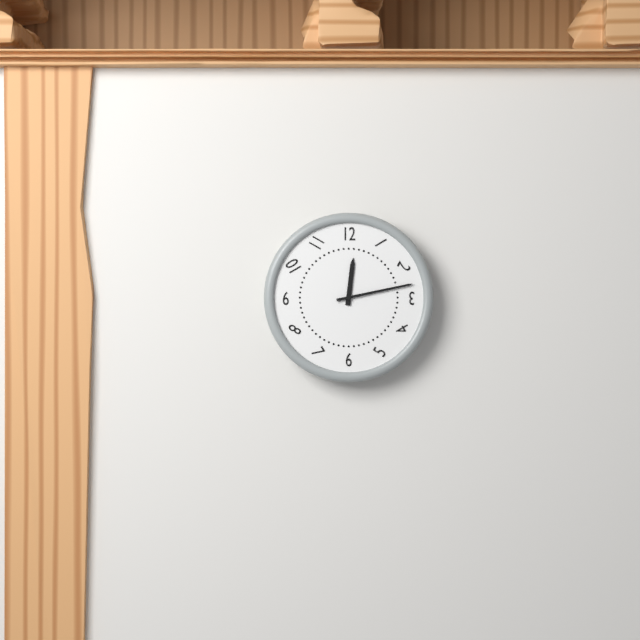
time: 12:13
